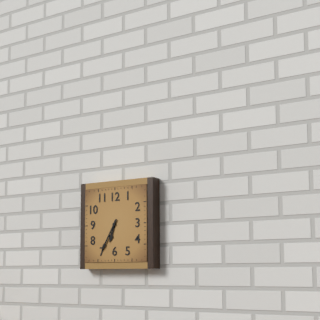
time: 6:35
